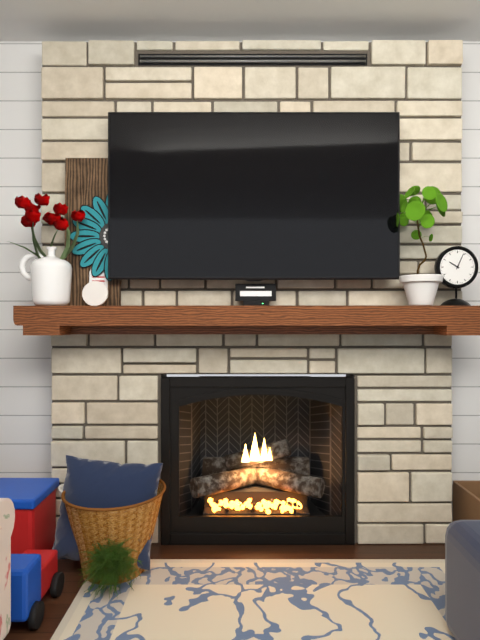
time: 10:04
